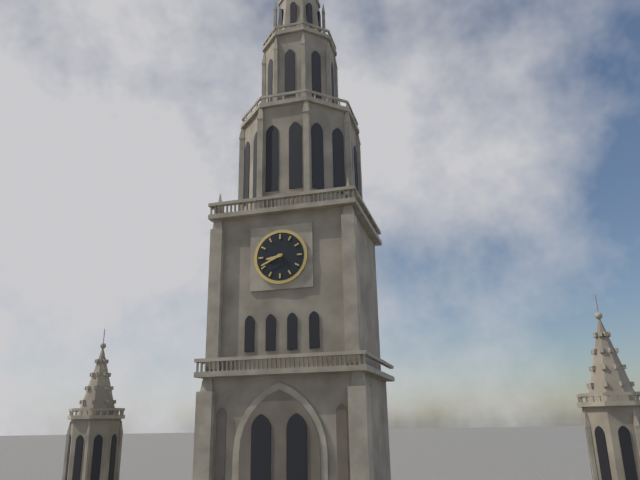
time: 8:41
